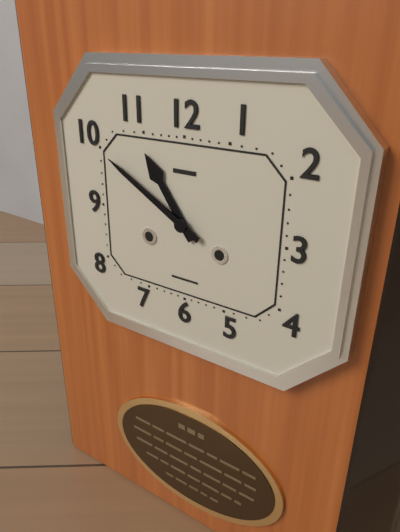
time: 10:50
